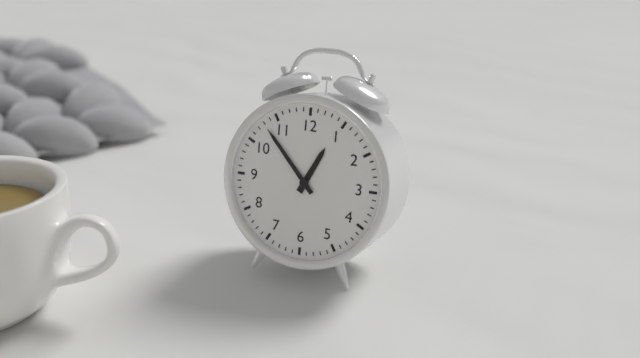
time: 12:53
